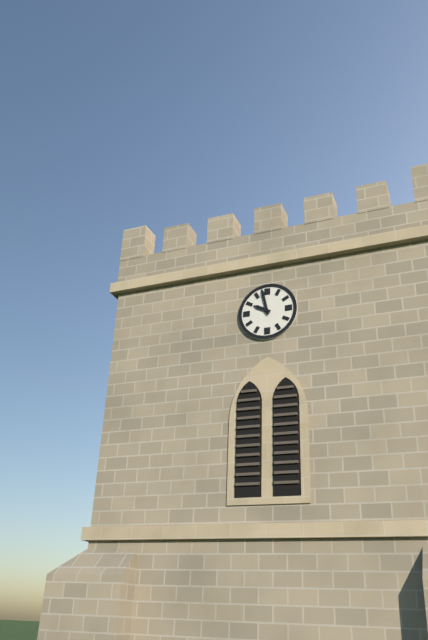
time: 9:58
